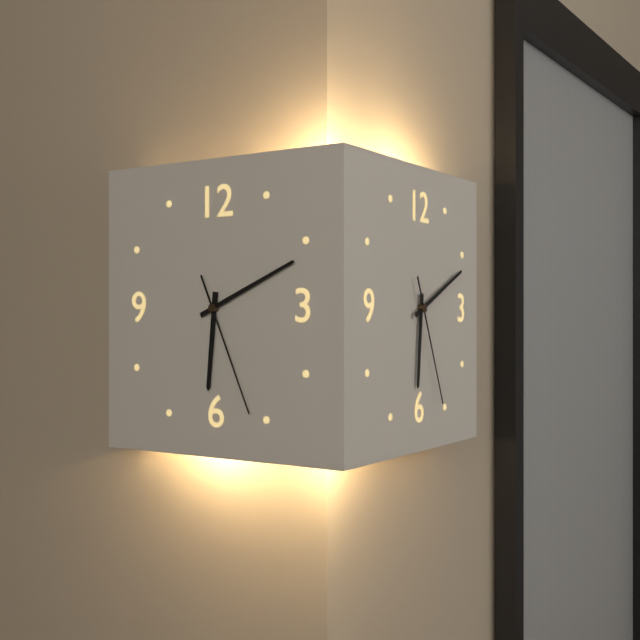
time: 6:11:26
